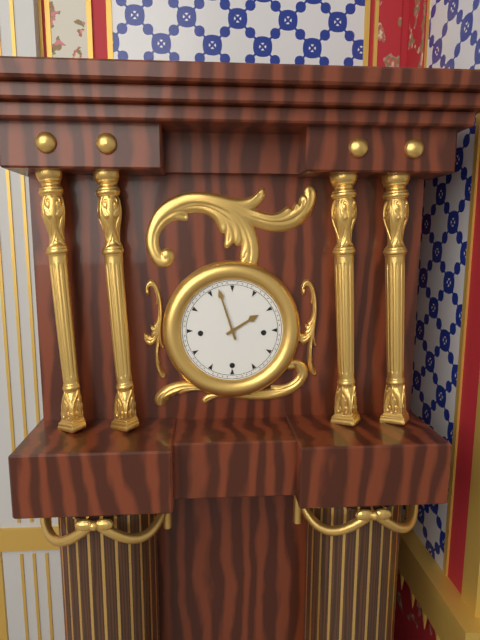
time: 1:57
